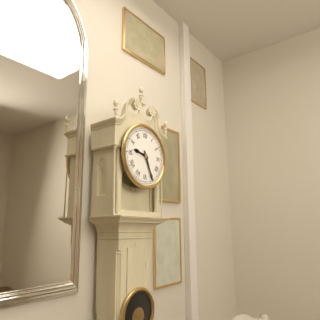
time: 9:26
